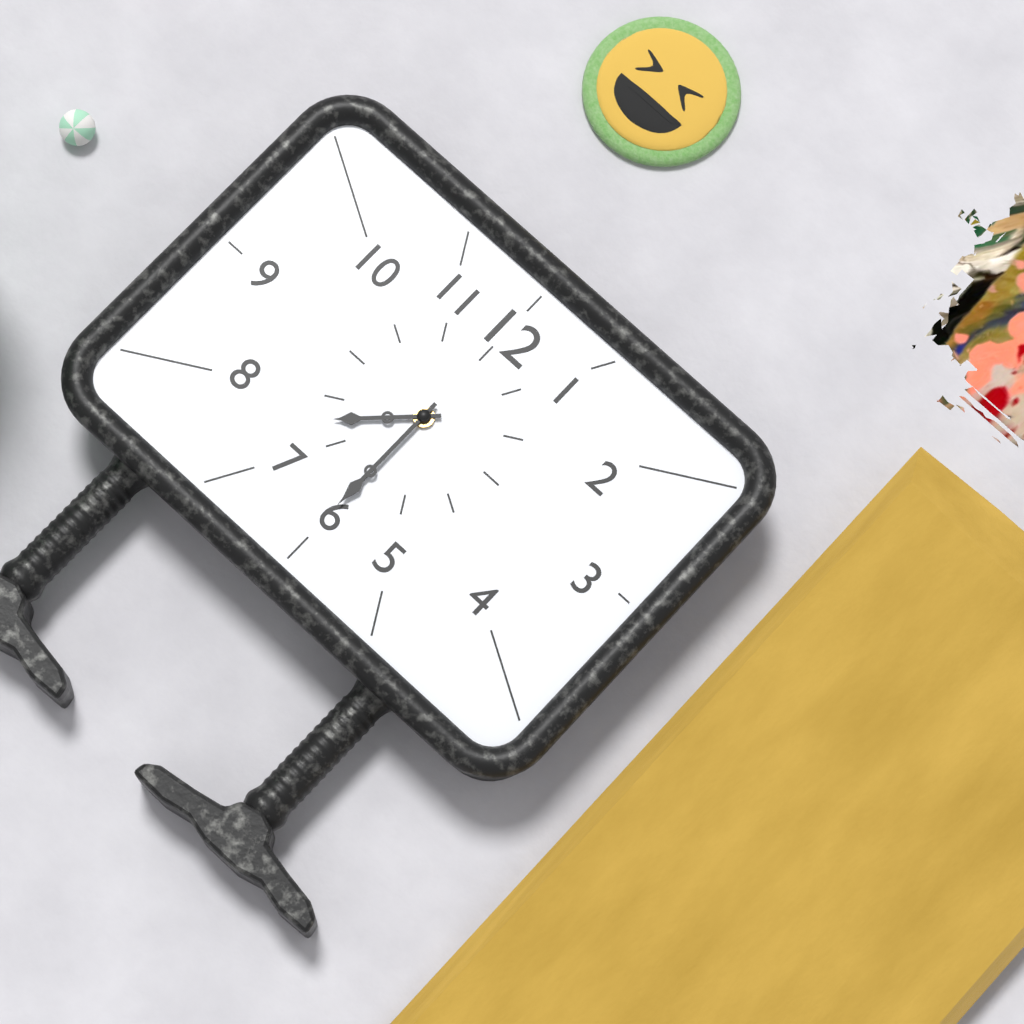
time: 7:30
